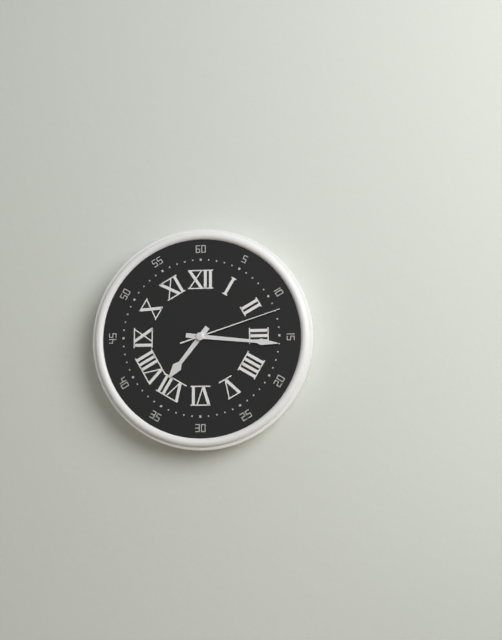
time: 7:16:12
